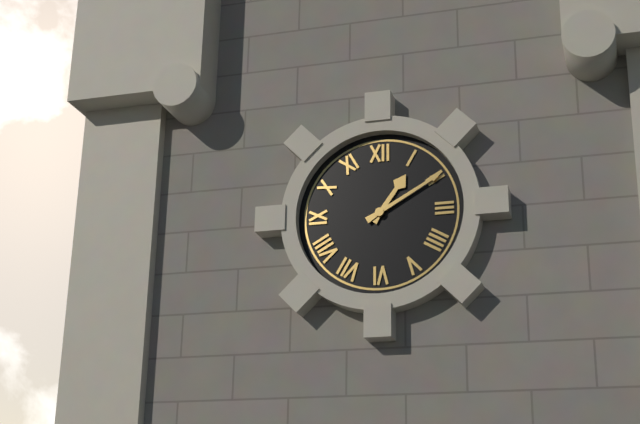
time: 1:10
